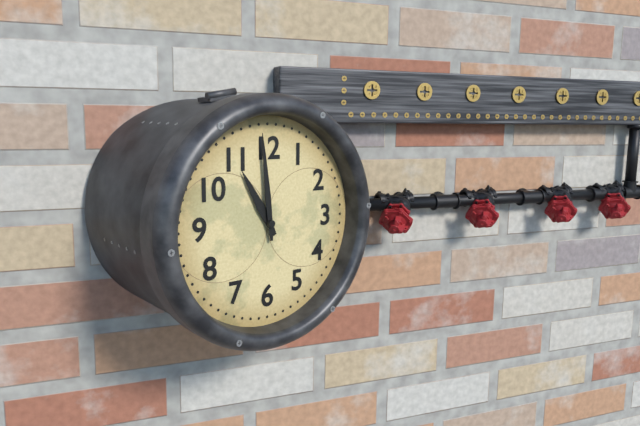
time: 10:59
